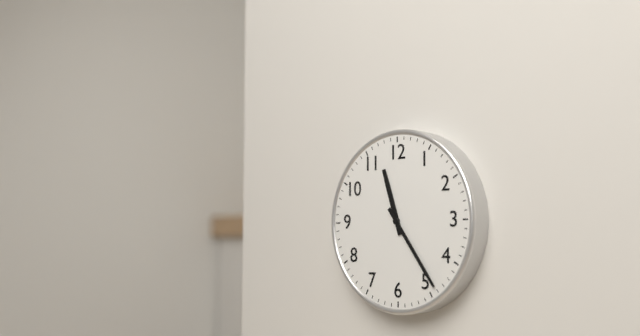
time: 11:24
